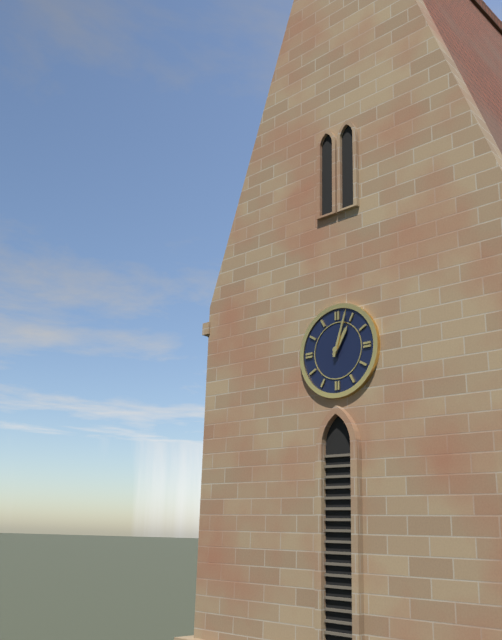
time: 1:03
